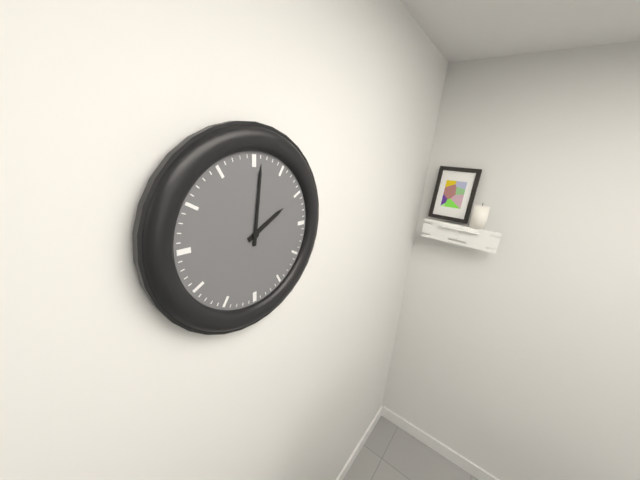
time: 2:01
